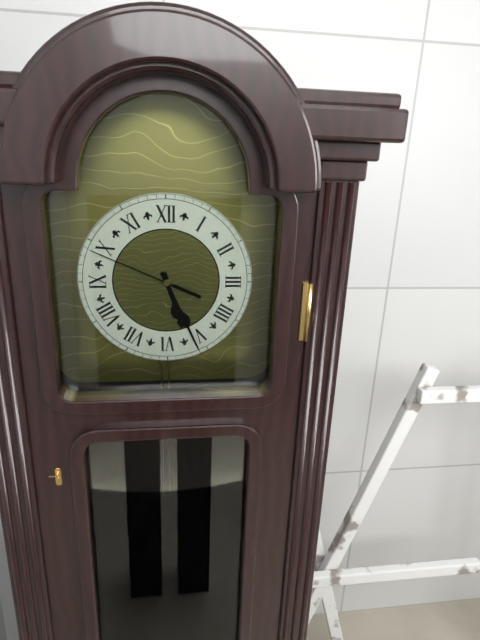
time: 5:26:49
